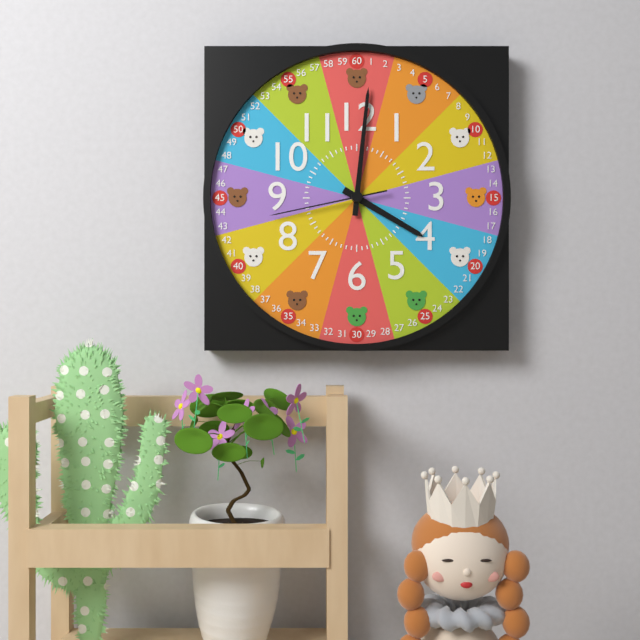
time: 4:01:43
